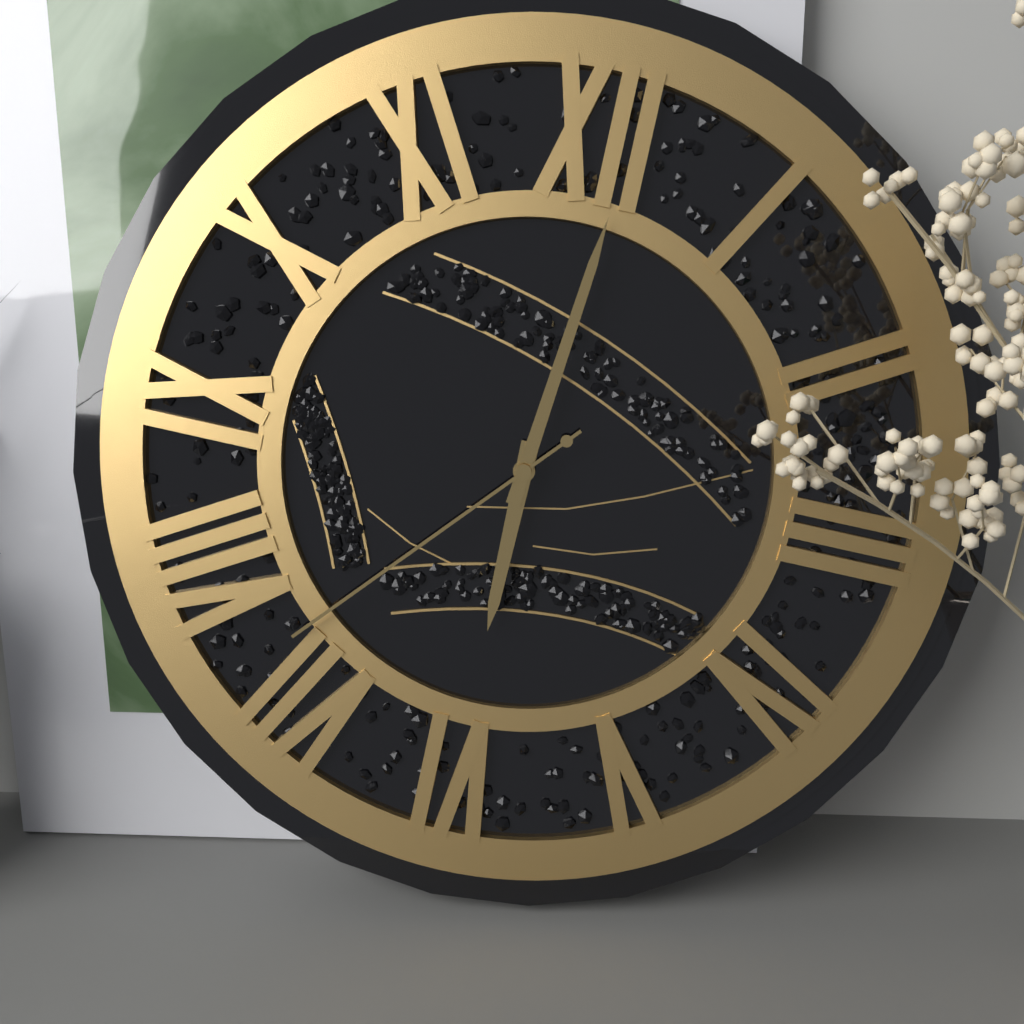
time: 6:01:37
